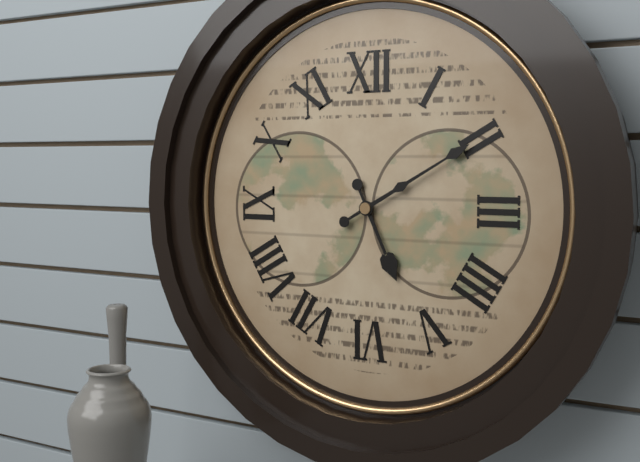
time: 5:10
